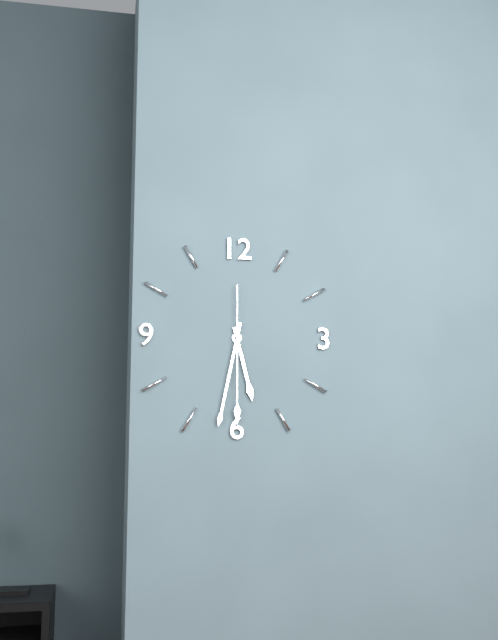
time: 5:32:30
